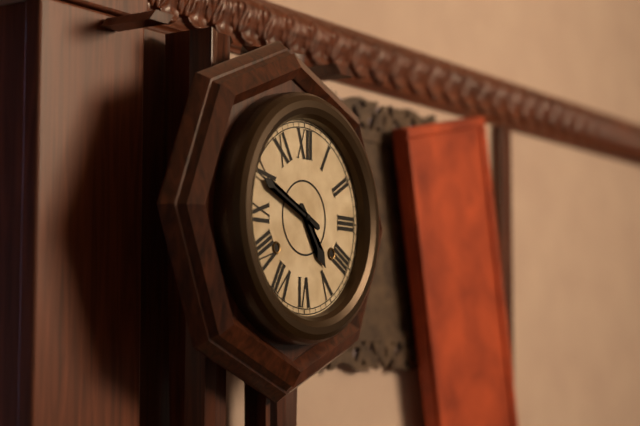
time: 4:49
